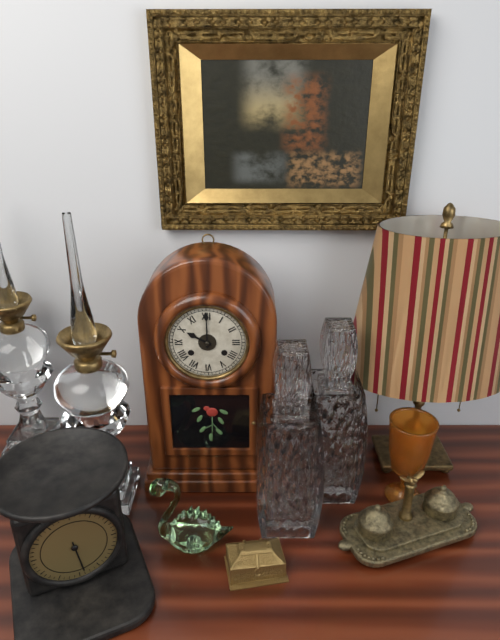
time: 10:00
